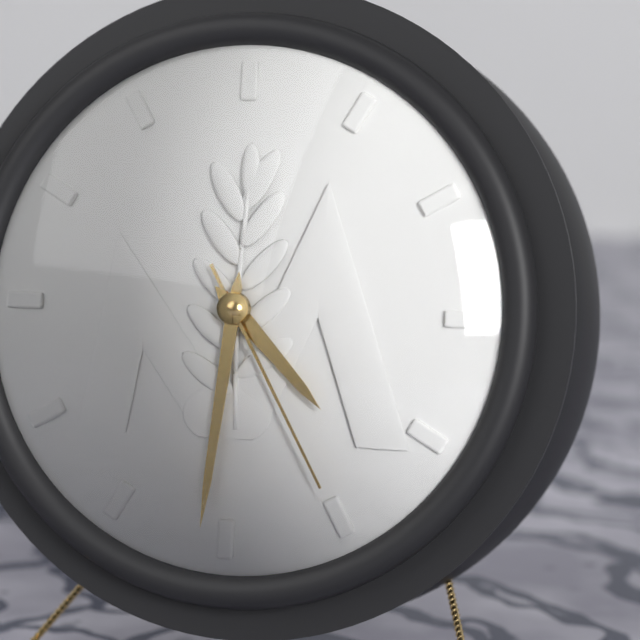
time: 4:31:25
